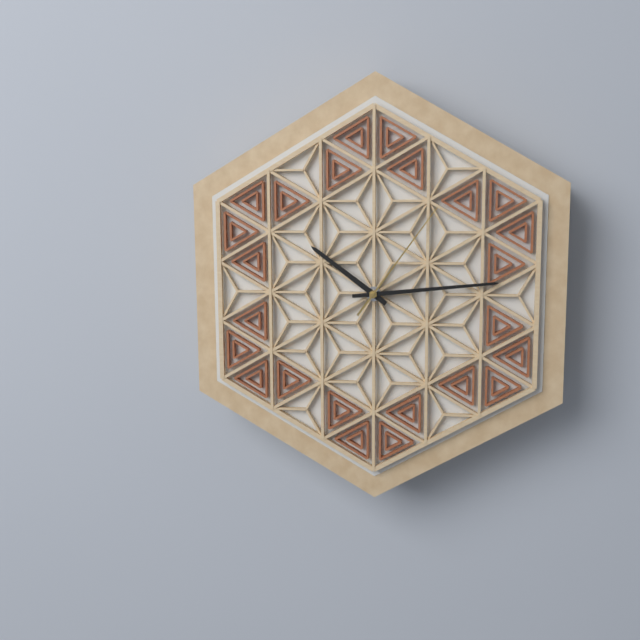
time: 10:14:06
